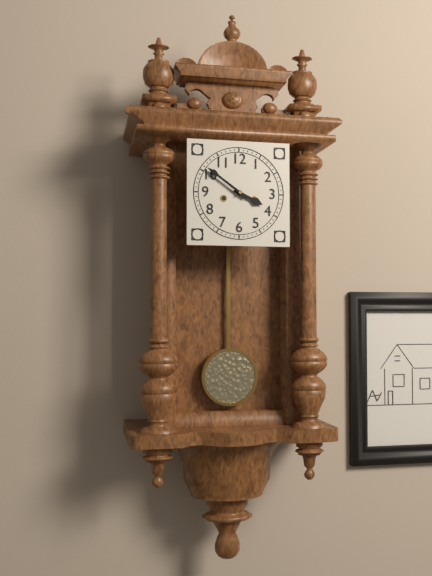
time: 3:51
